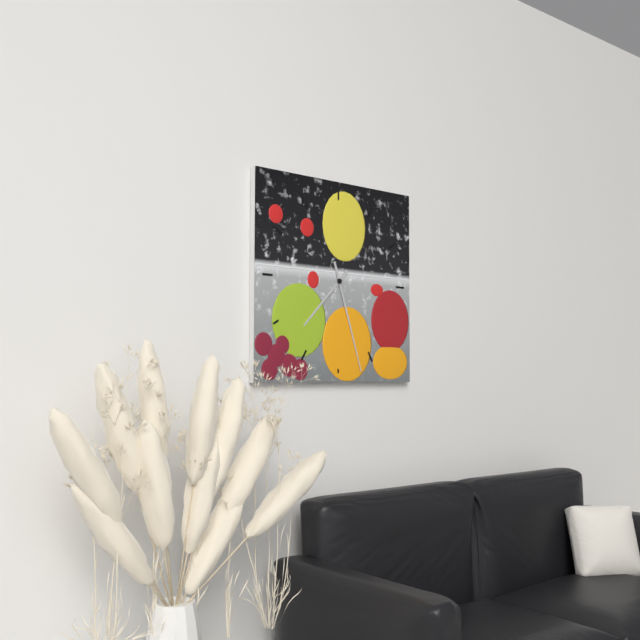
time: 7:27
